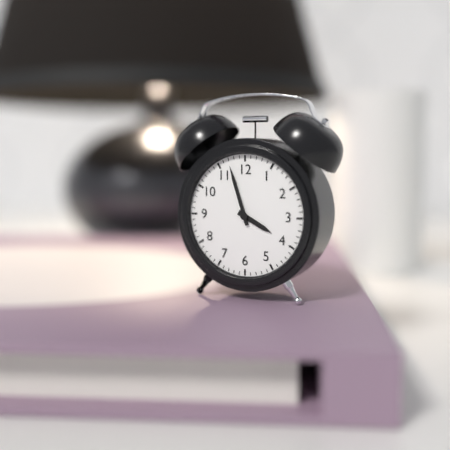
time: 3:57
